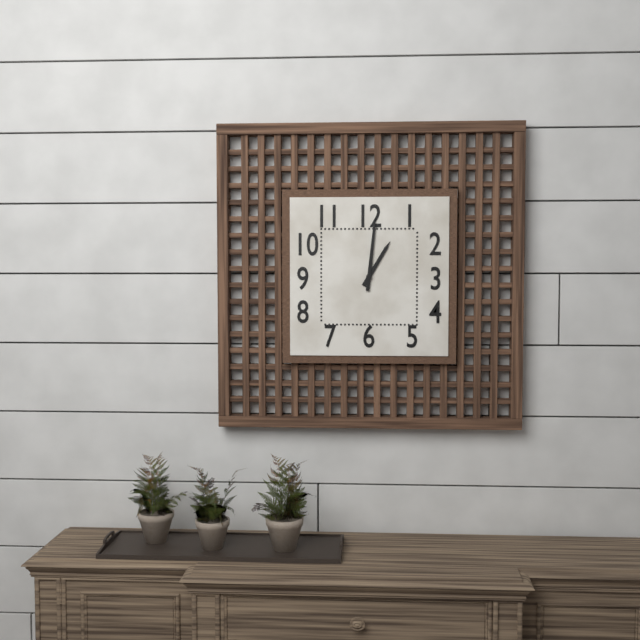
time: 1:01
